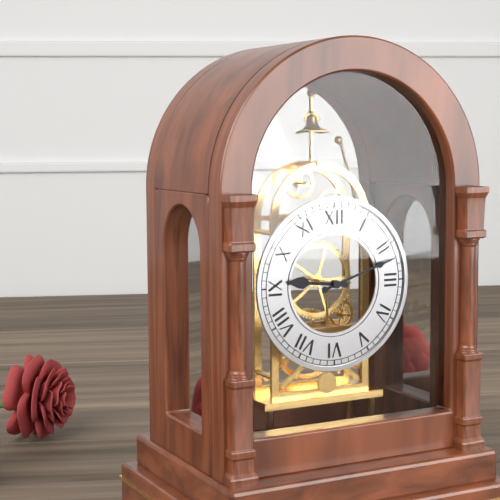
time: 9:12
